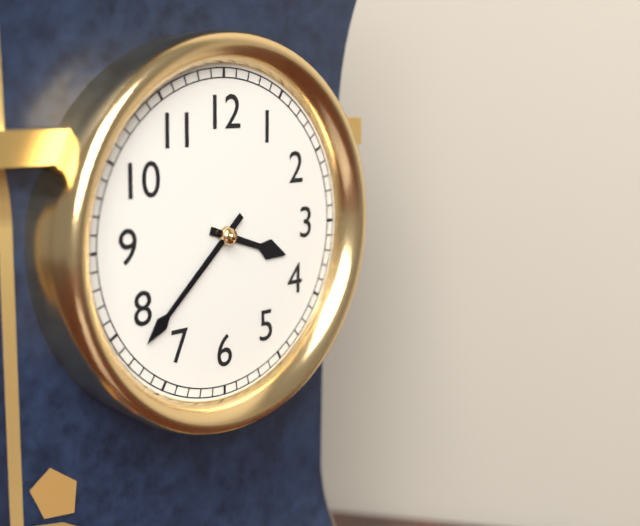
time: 3:38
